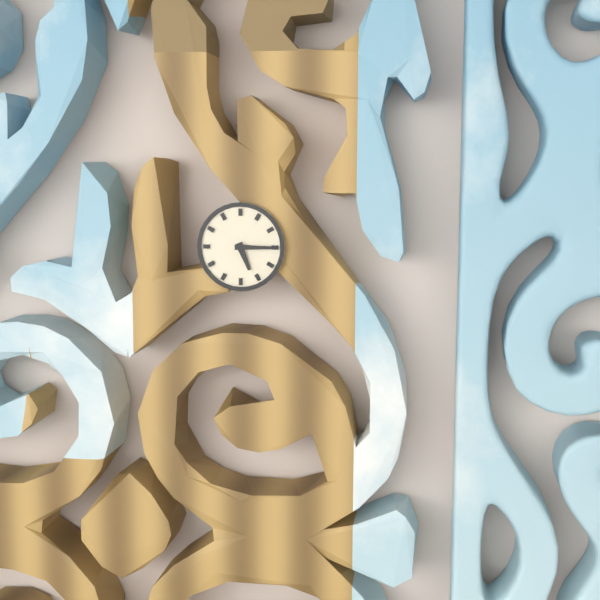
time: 5:15
